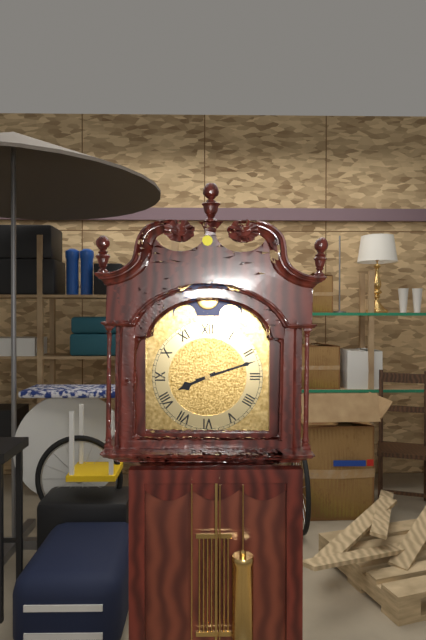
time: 8:12
